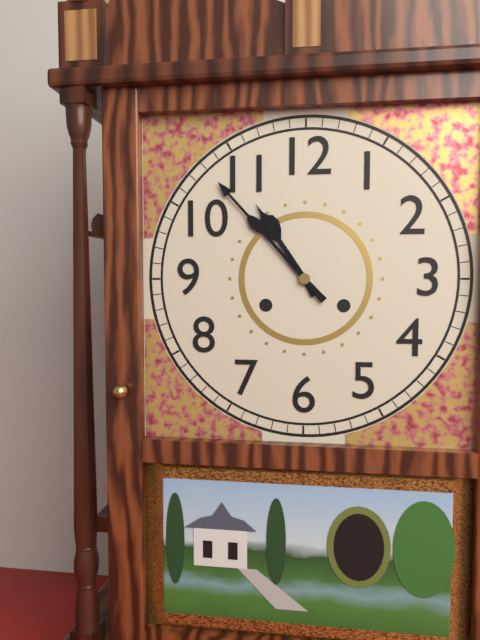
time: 10:53
